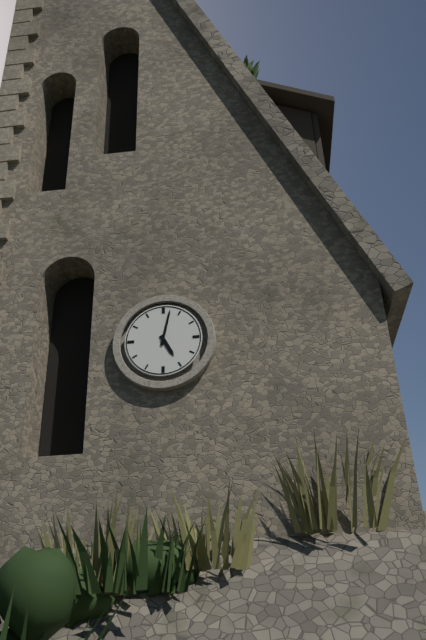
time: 5:02
